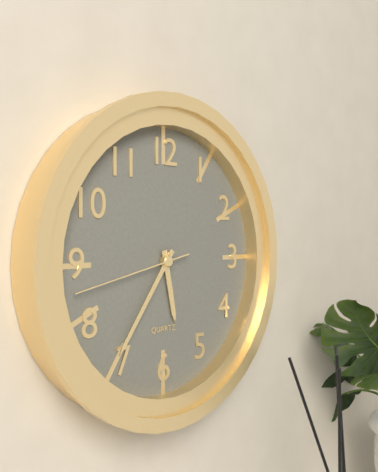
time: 5:36:43
